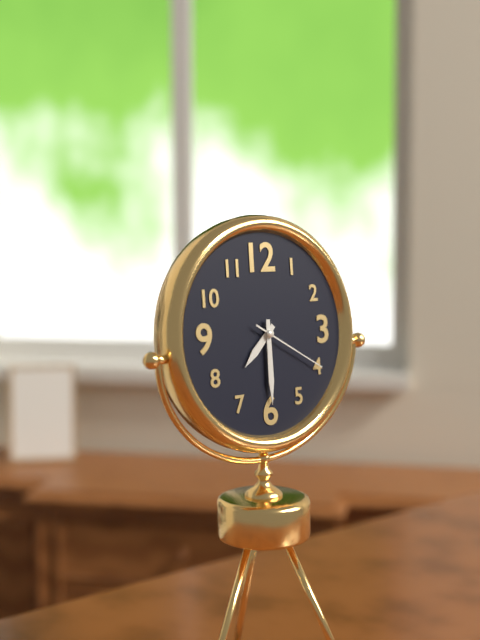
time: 7:30:20
